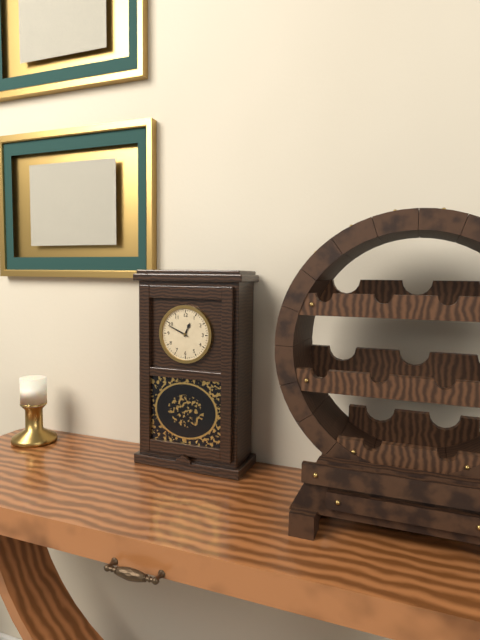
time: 12:49
